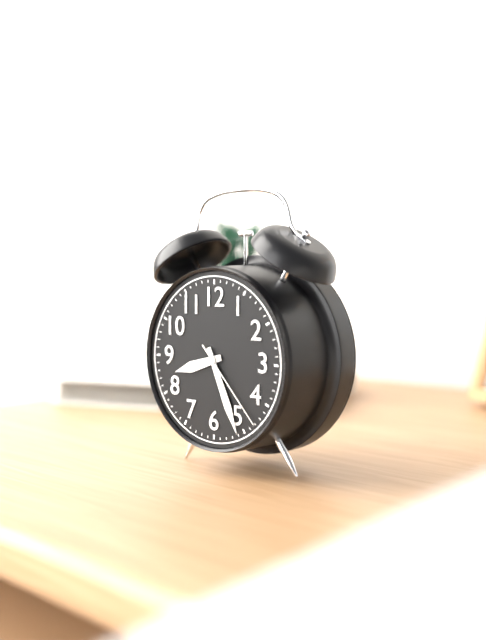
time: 8:26:23
